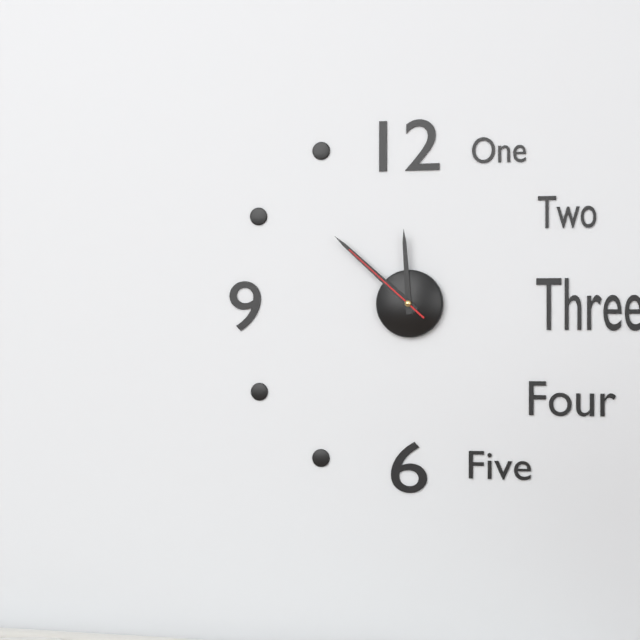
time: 11:52:52
